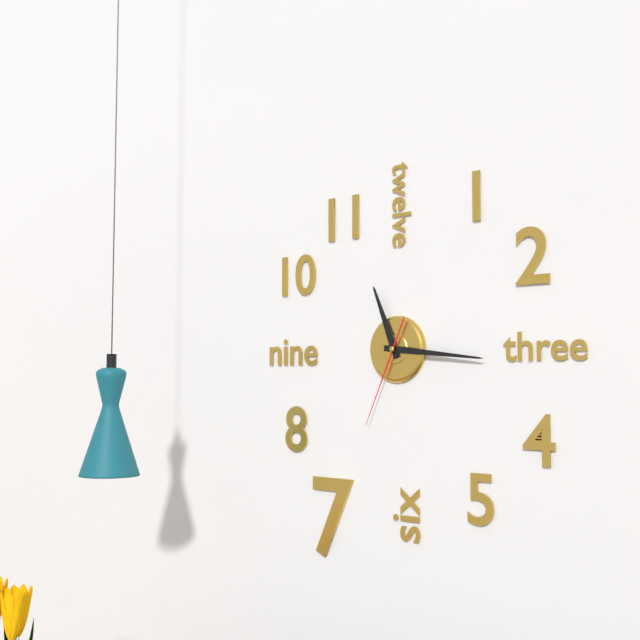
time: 11:16:34
